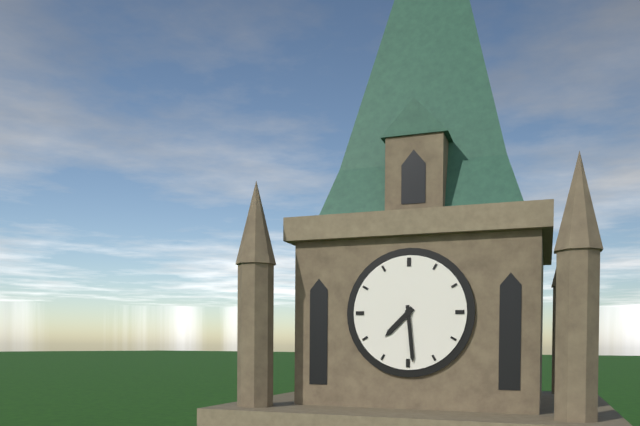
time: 7:29
